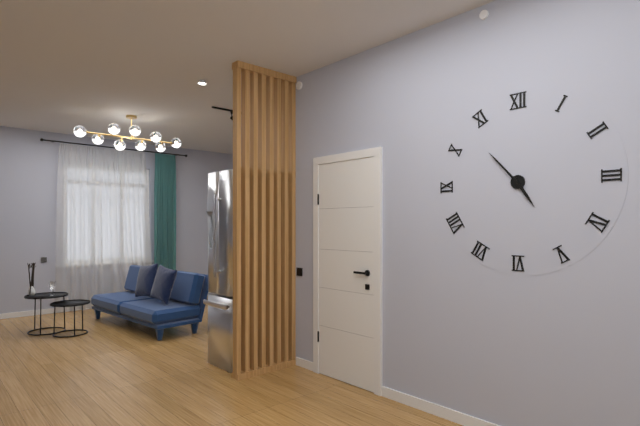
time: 4:53
